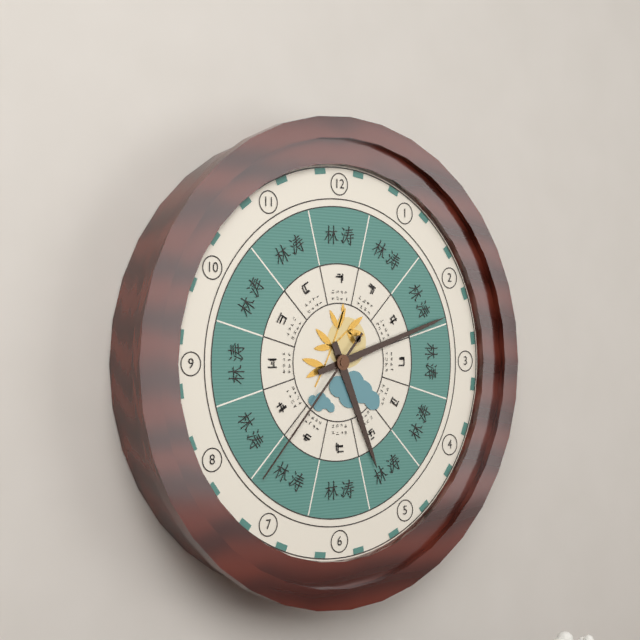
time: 5:12:37
